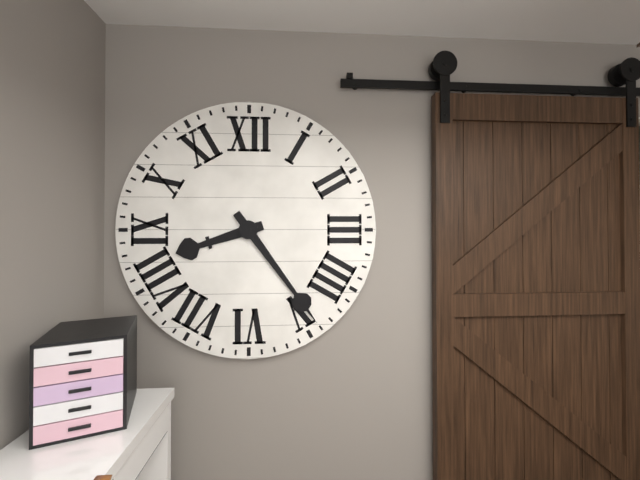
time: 8:24
